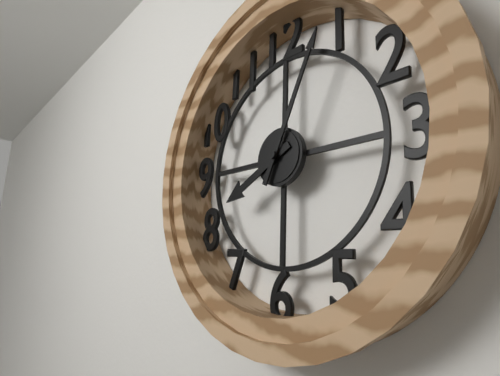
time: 8:04
